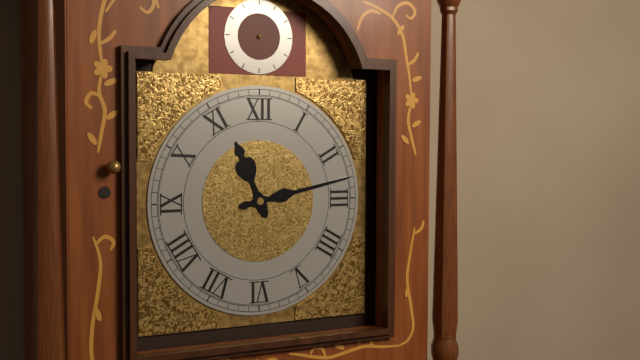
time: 11:13
